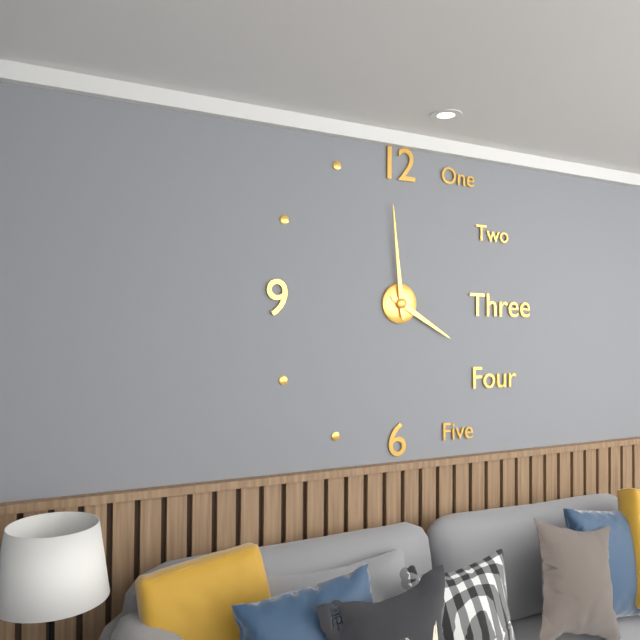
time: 3:59
